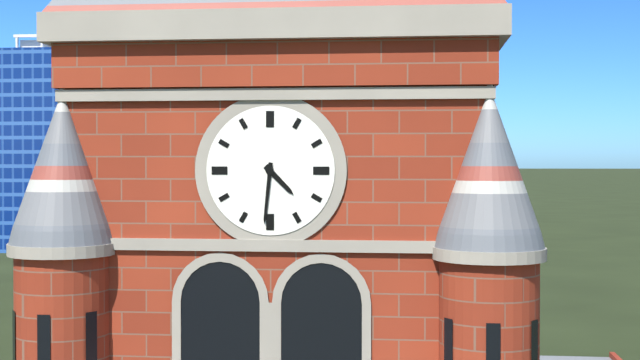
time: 4:31
